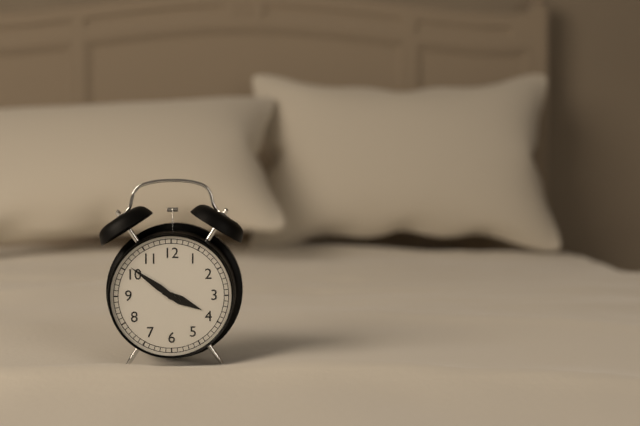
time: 3:51
